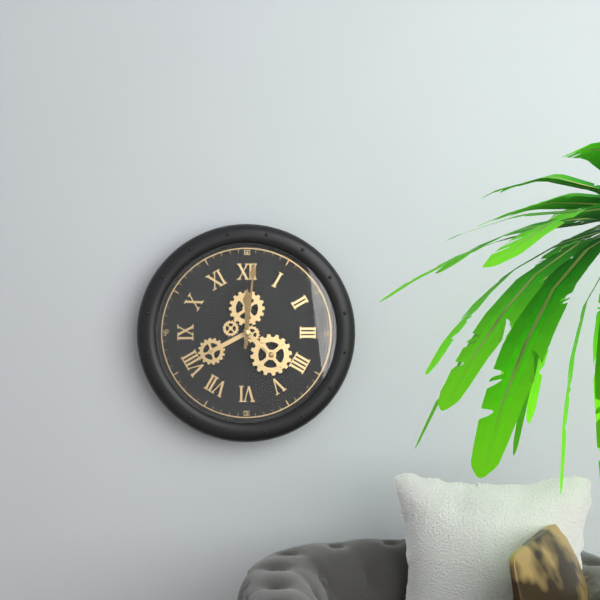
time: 12:01
